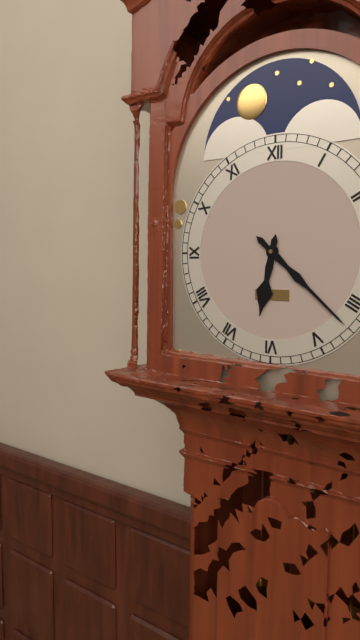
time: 6:22
